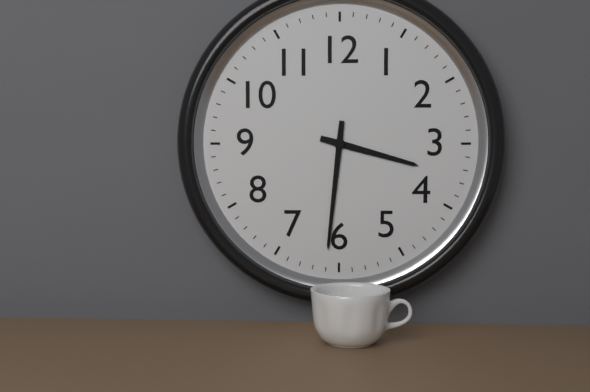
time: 3:31
